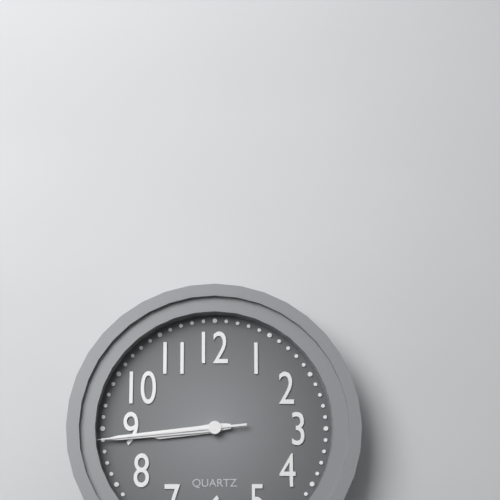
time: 8:44:44
